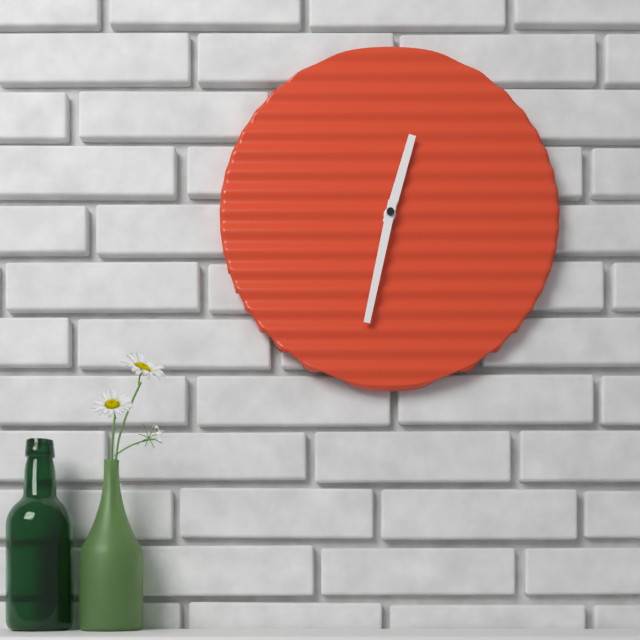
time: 12:32
